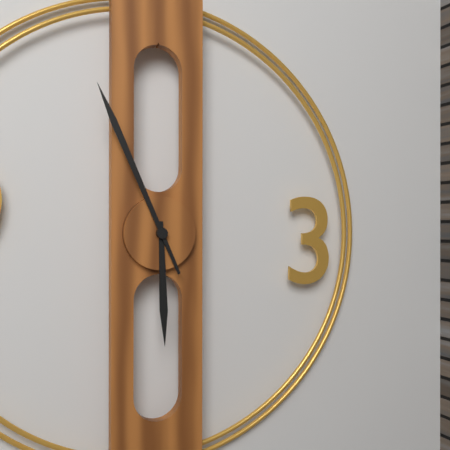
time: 5:56
